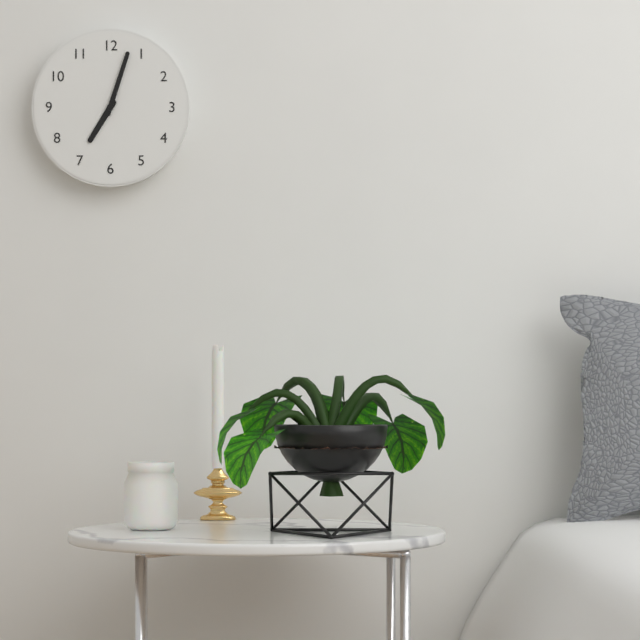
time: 7:03
